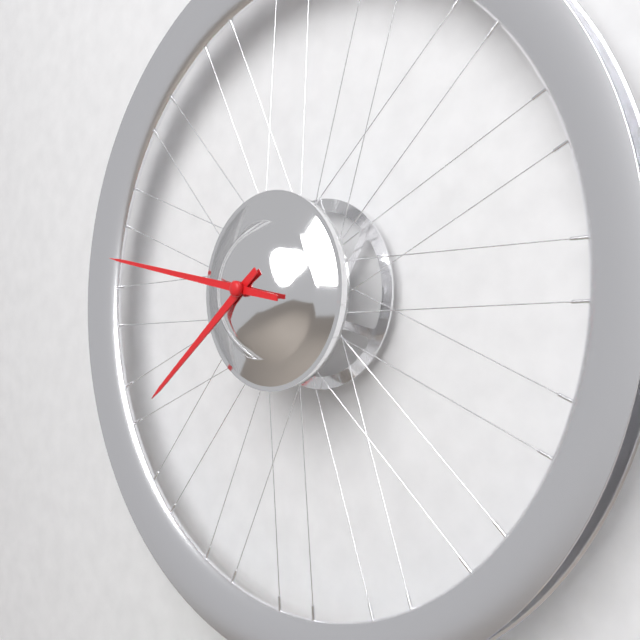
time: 7:47
